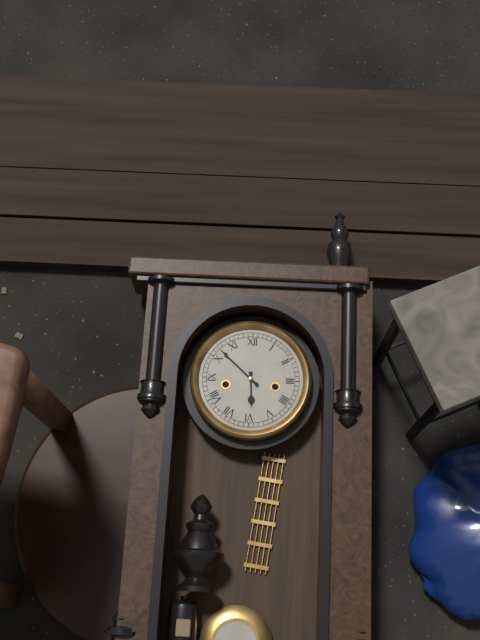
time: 5:52
